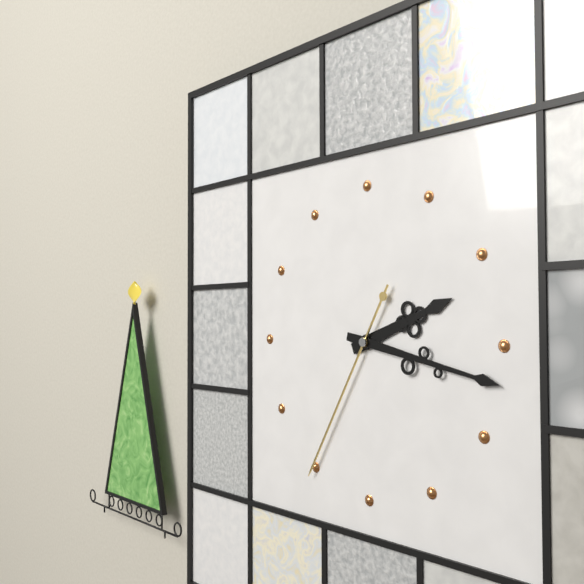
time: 2:17:35
